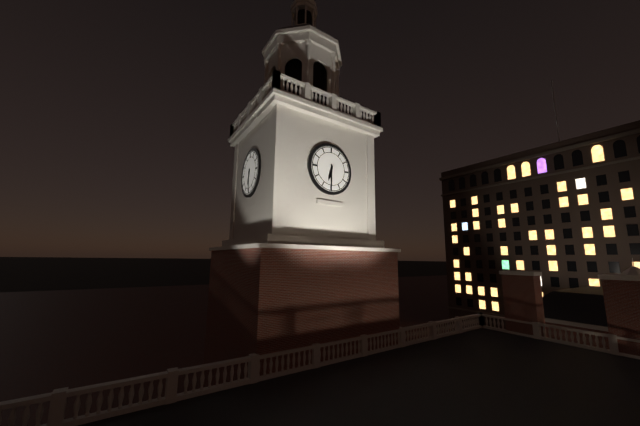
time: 6:30
